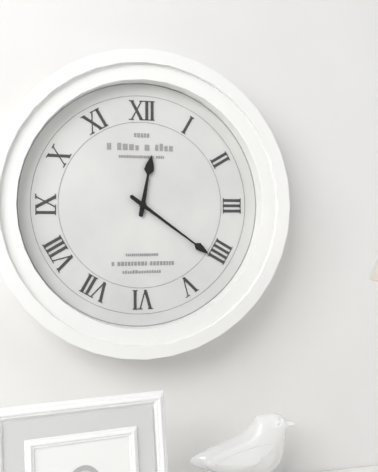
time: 12:21
